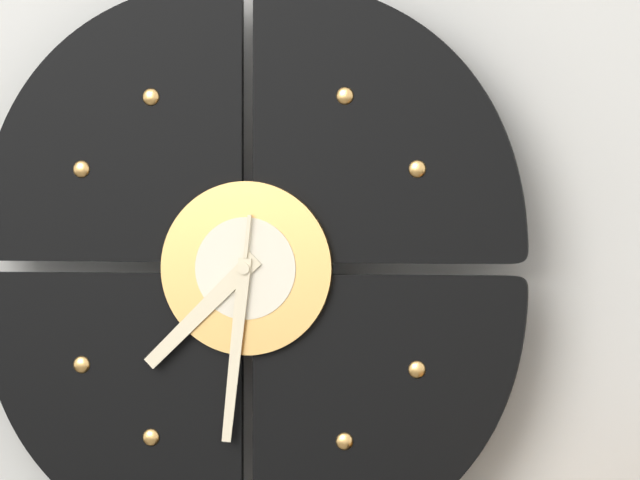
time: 7:31
